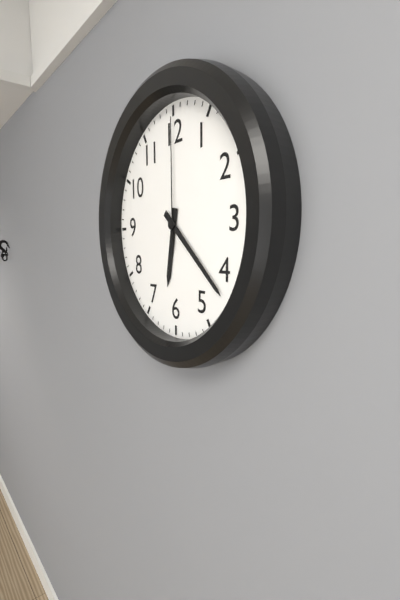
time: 6:22:00
